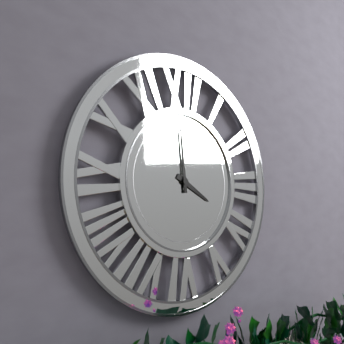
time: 3:59
